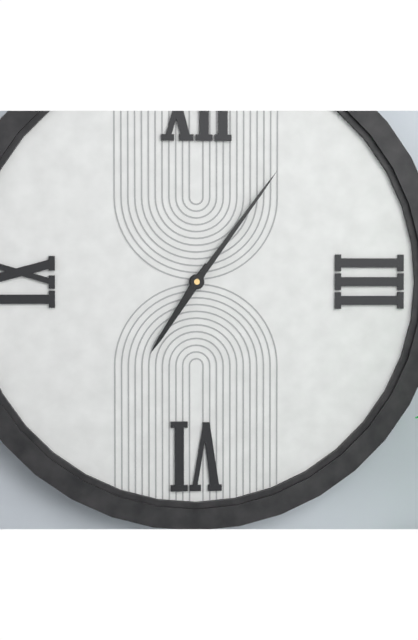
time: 7:06
